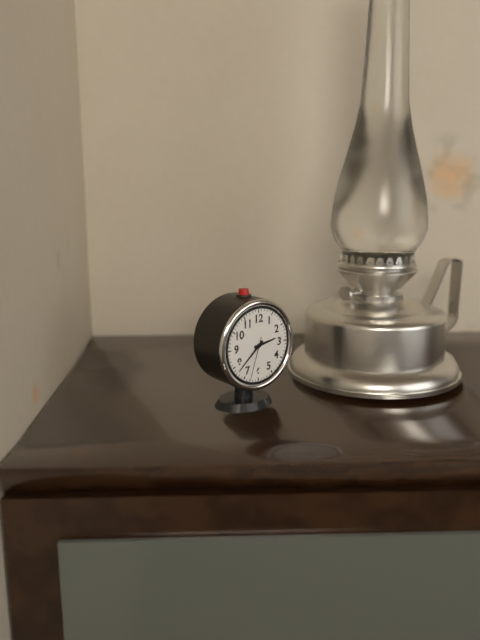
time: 2:38:33
